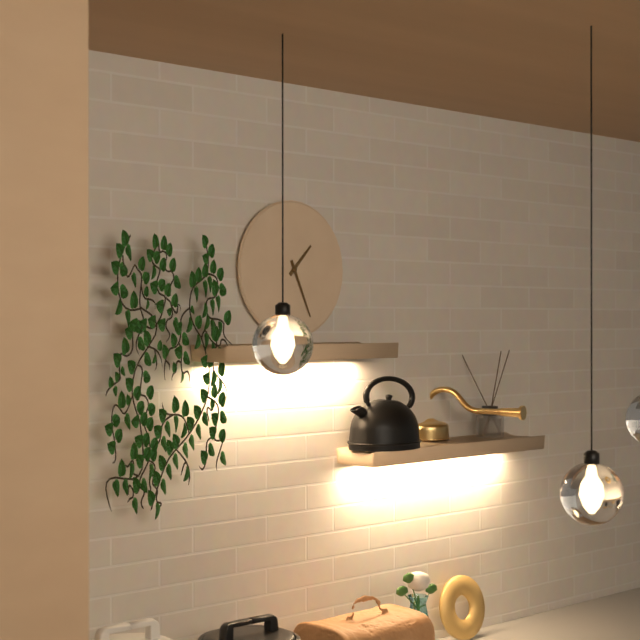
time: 1:26
